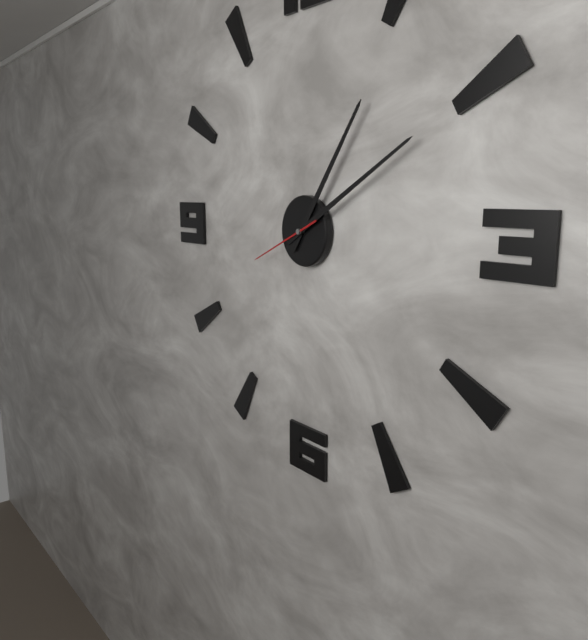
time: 1:10:41
